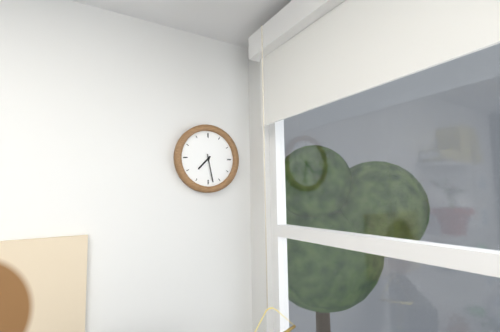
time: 7:28
